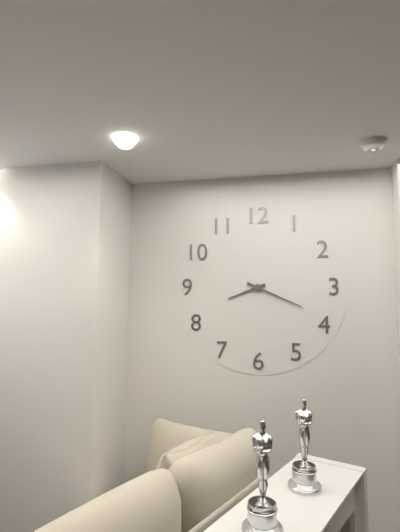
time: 8:19
